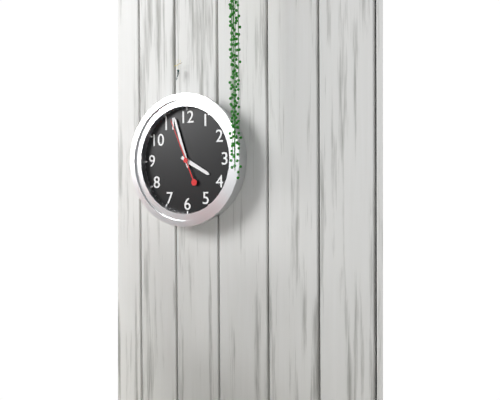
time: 3:57:56
